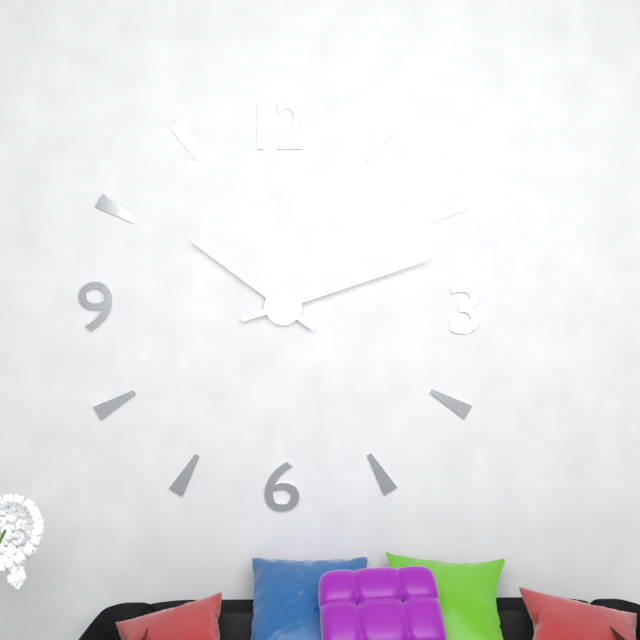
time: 10:12
